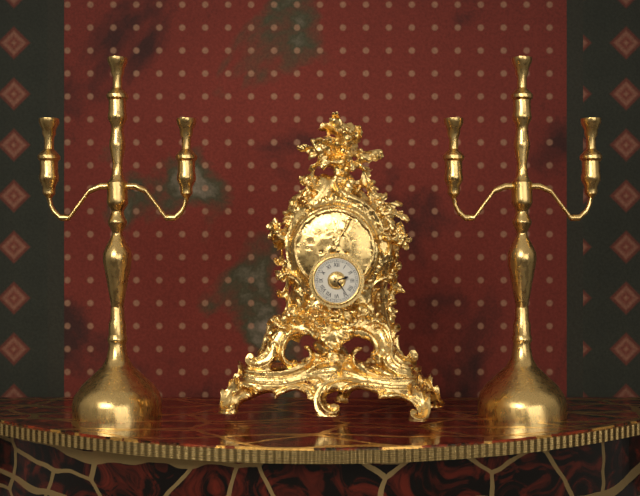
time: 2:24
